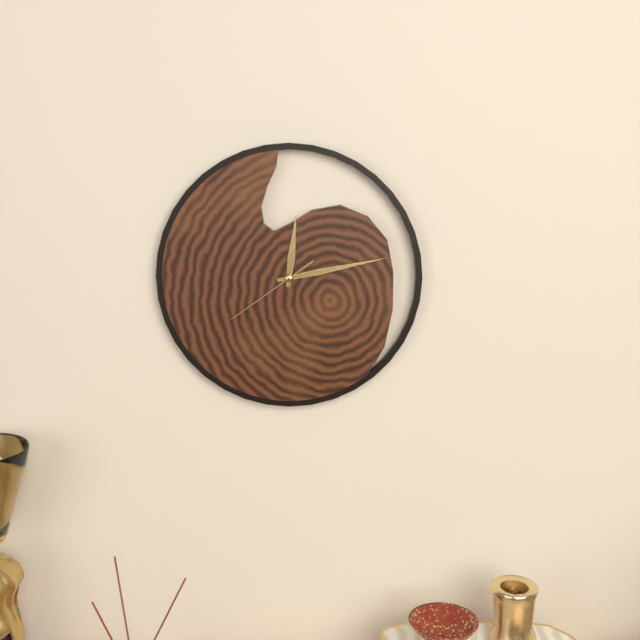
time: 12:13:39
